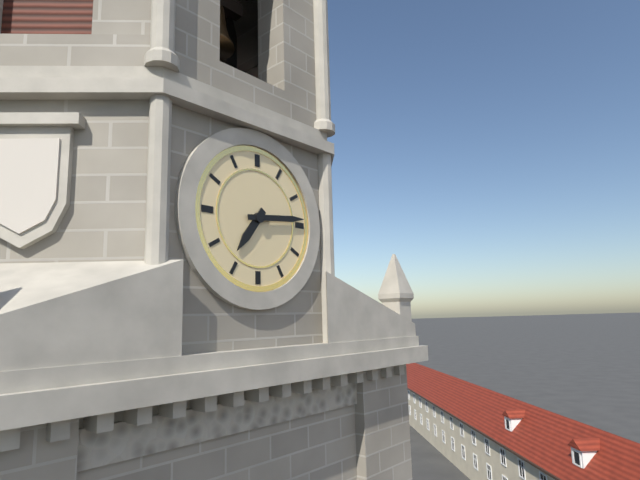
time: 7:14
